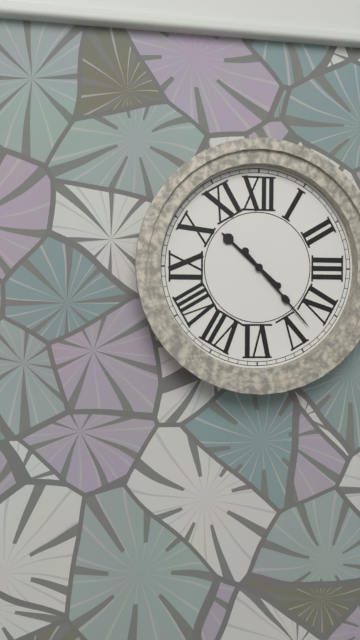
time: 10:23
